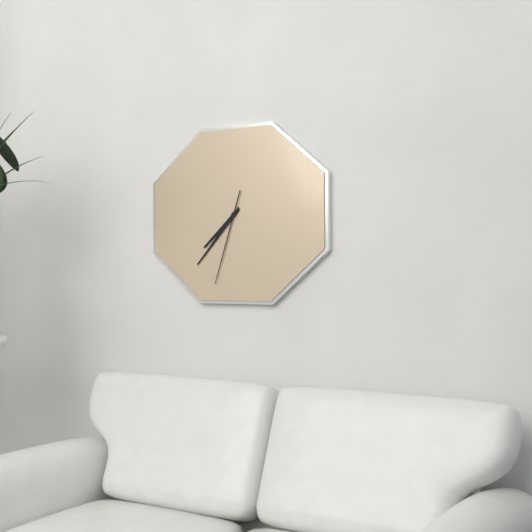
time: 7:37:33
